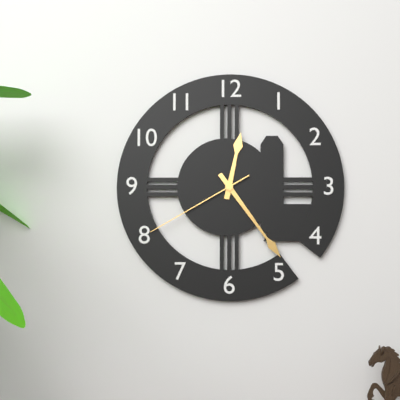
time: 12:24:40
